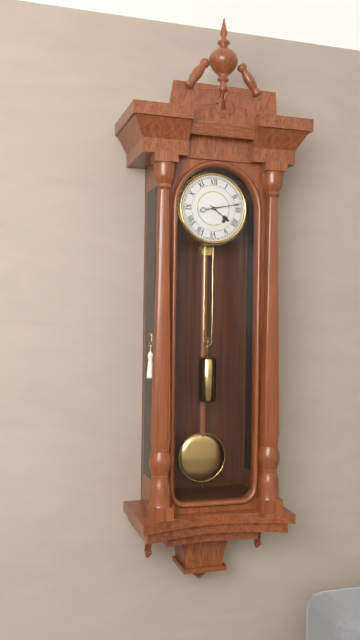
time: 4:13
